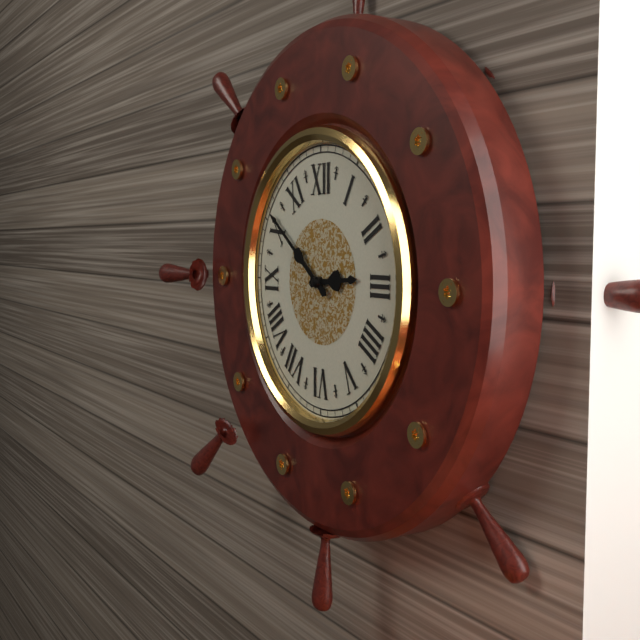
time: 2:51
